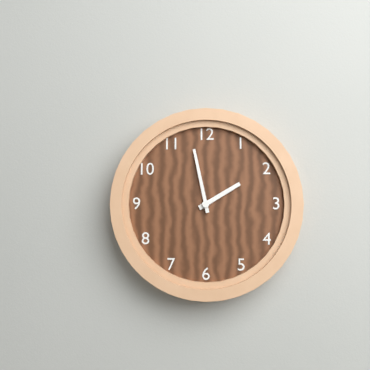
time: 1:58
